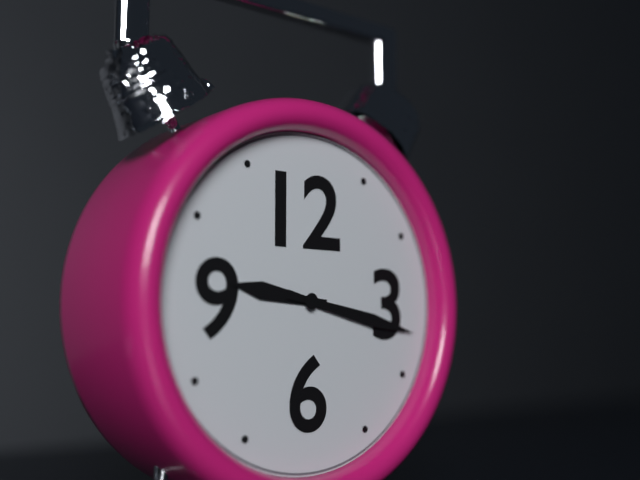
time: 9:17
